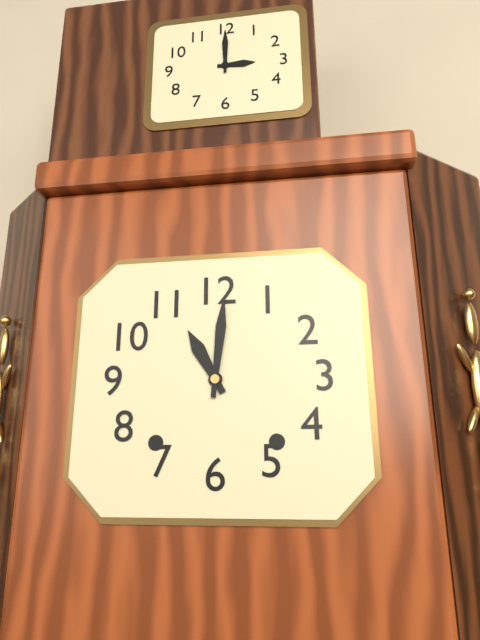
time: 11:01
